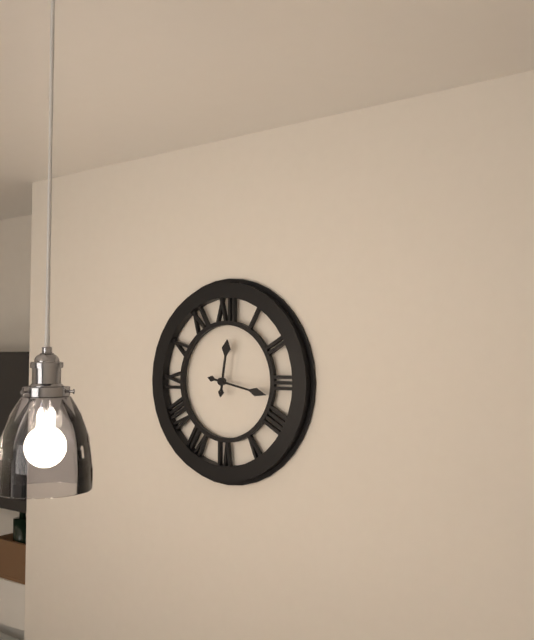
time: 12:17
